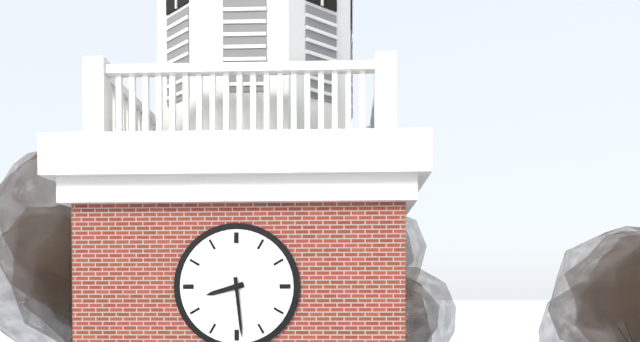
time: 8:29
